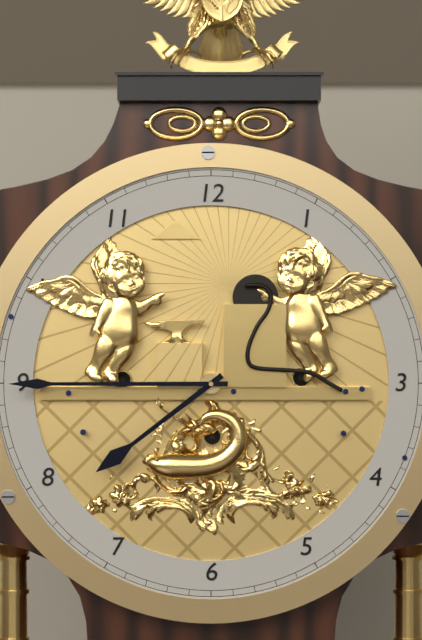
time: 7:45
